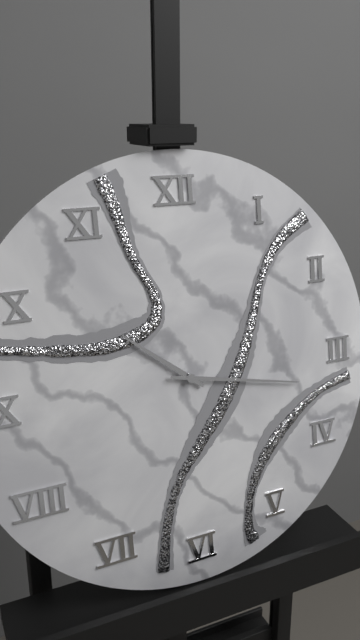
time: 10:17
